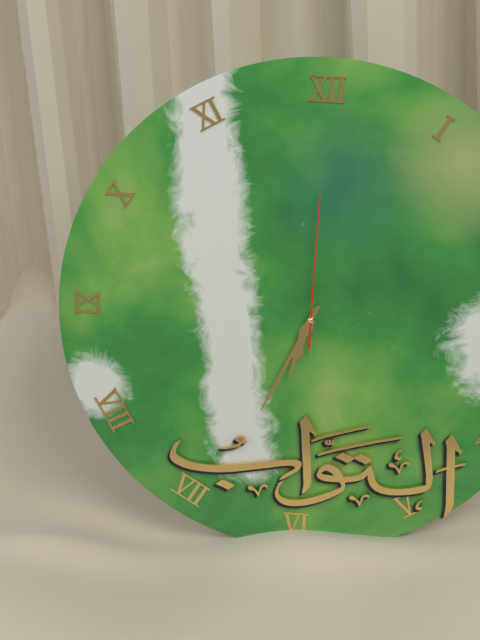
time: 6:34:00
